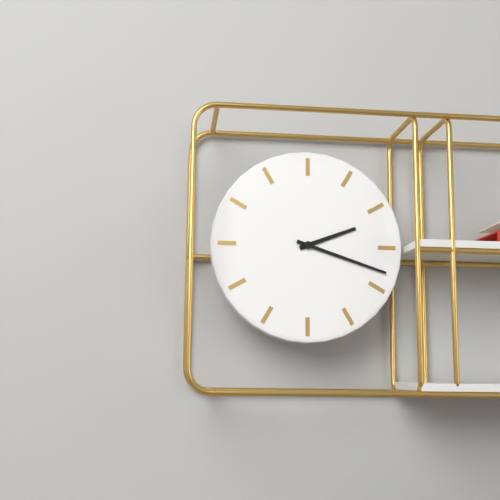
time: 2:18
